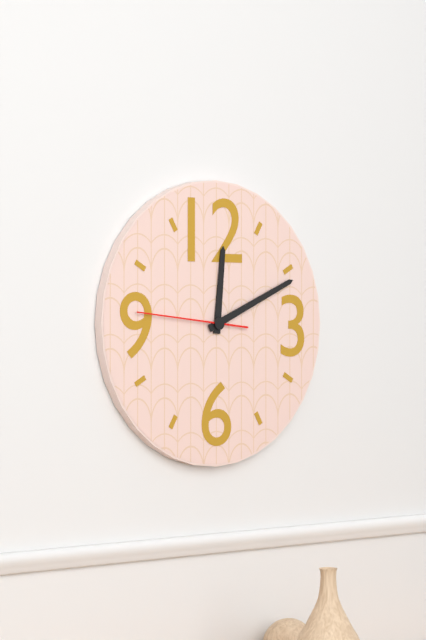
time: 12:11:46
